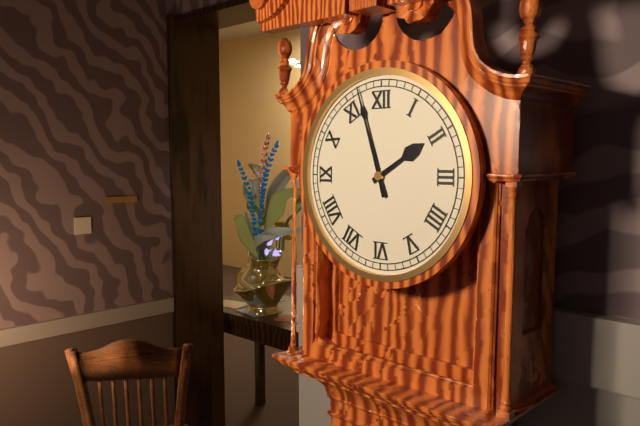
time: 1:57
